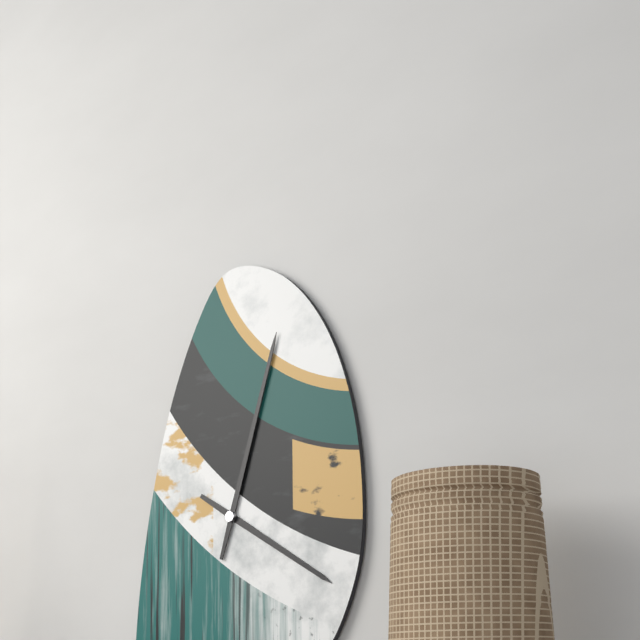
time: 4:03
